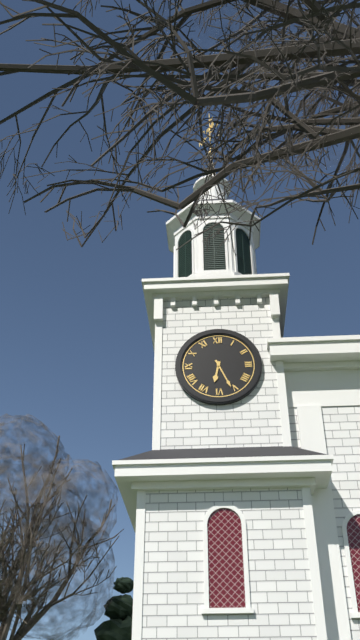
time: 6:26
